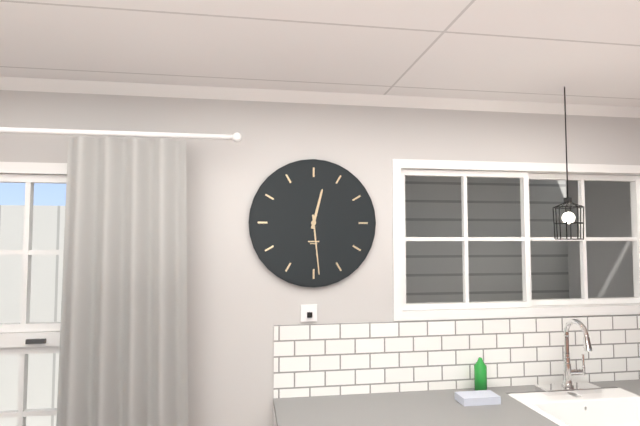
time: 12:29
